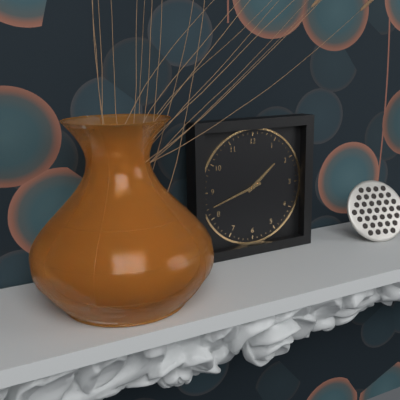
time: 1:42
